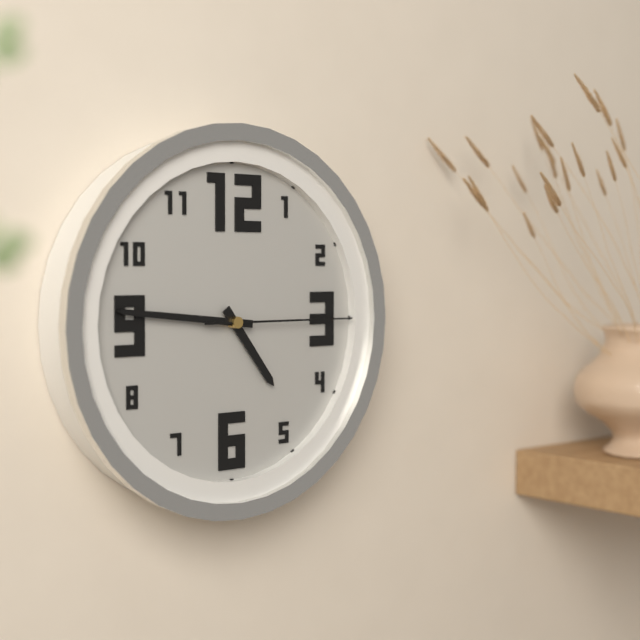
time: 4:46:15
